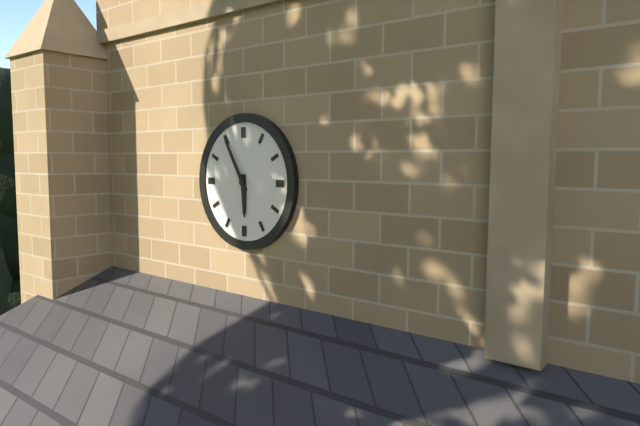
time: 5:55
